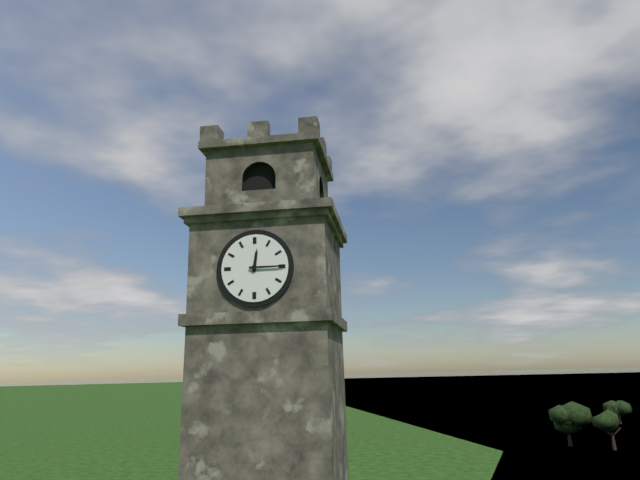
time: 12:15
